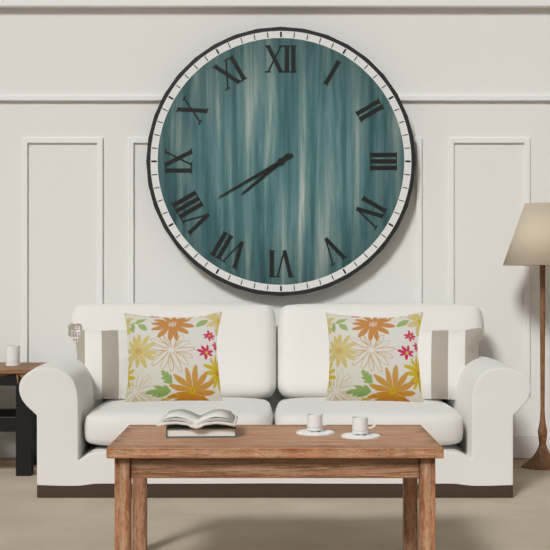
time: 7:40
